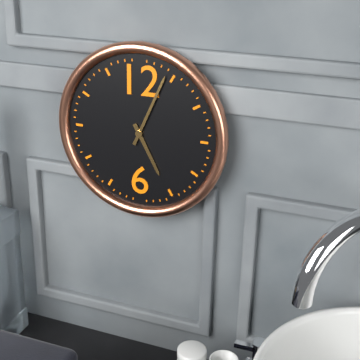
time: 5:04
